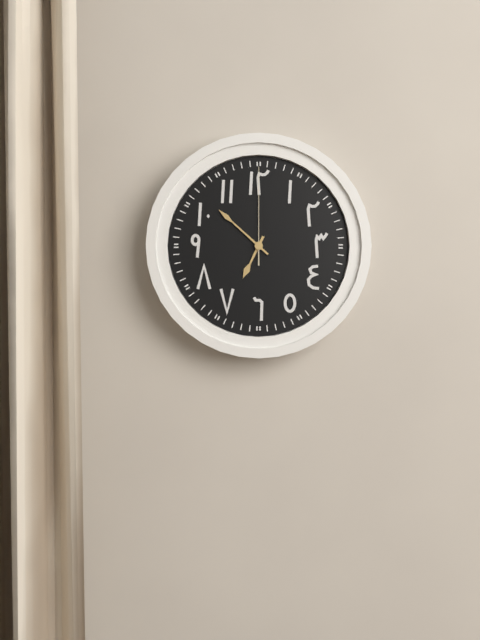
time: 6:52:00
